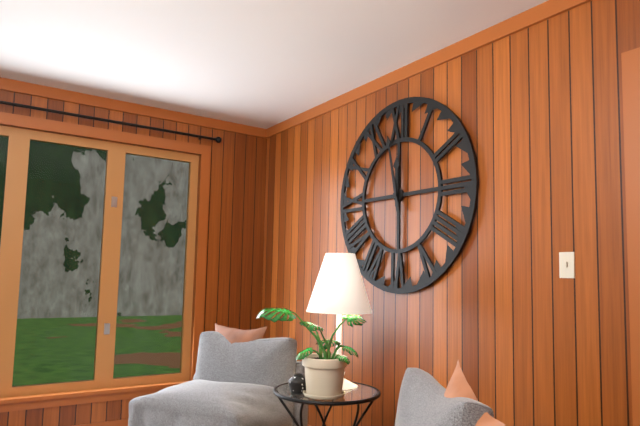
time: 11:58
